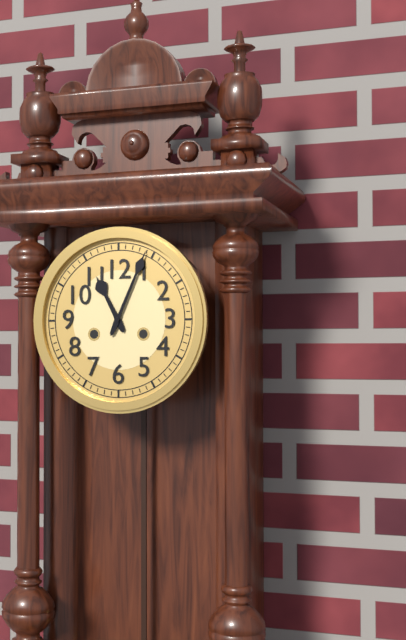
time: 11:04
